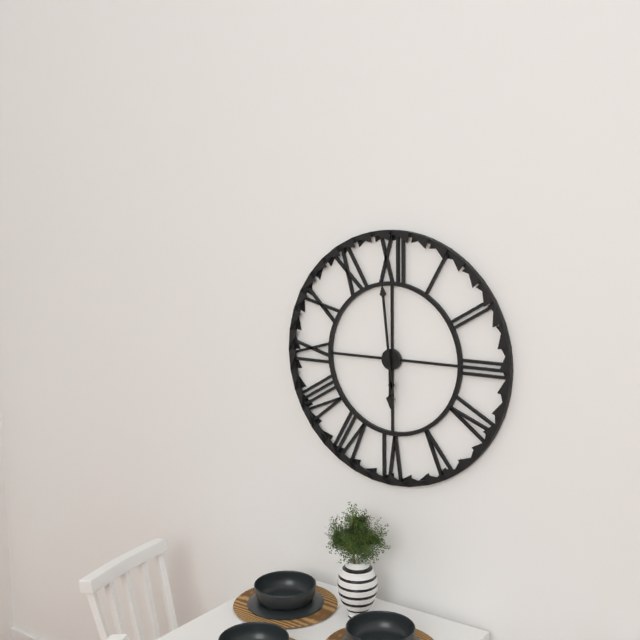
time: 5:59
